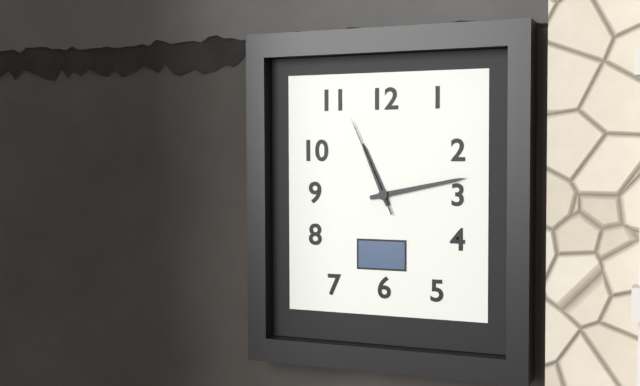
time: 11:13:56
